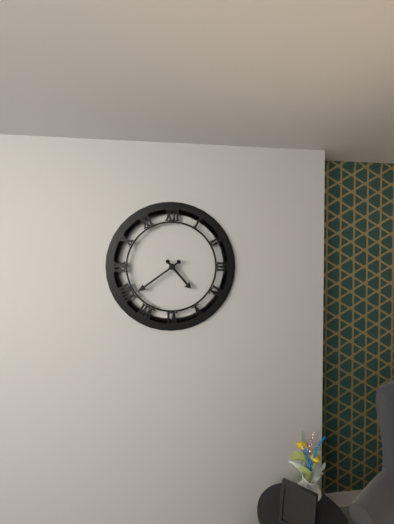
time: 4:39
